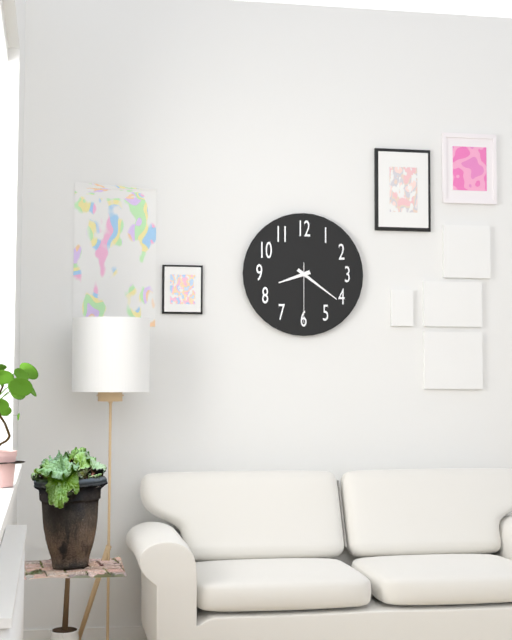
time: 8:21:30
